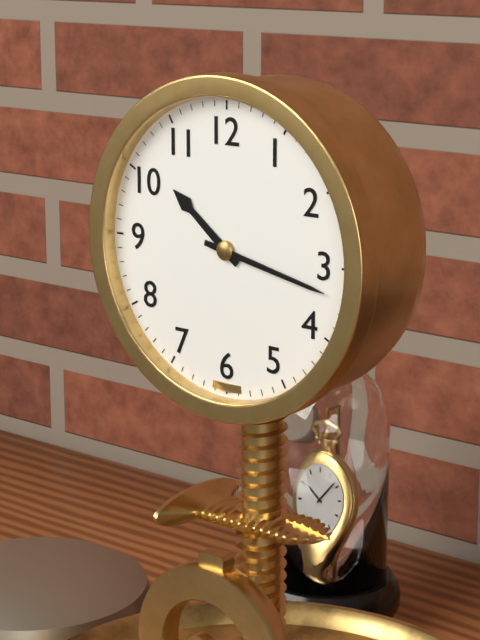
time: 10:17
